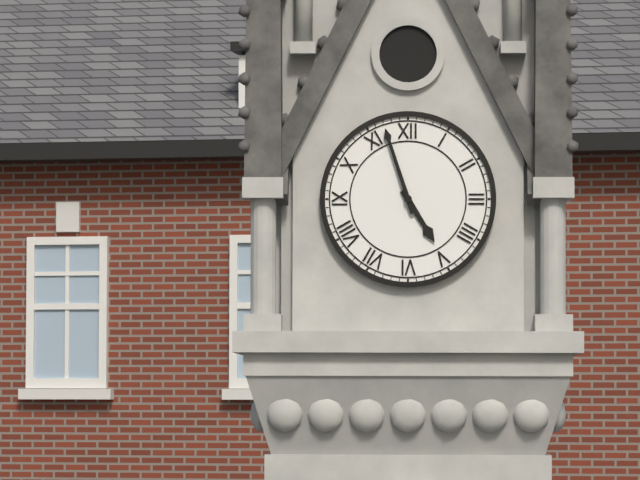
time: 4:57
